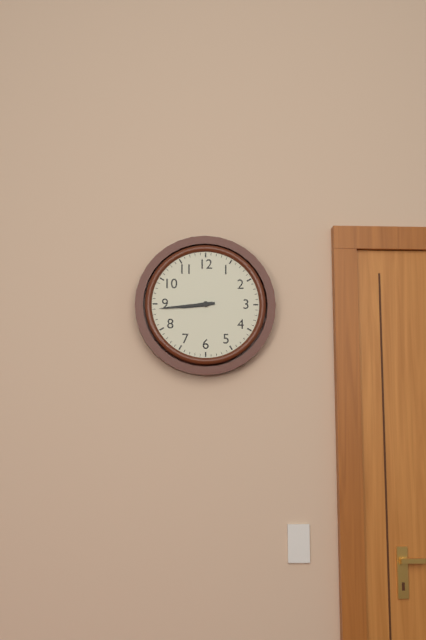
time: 8:44
